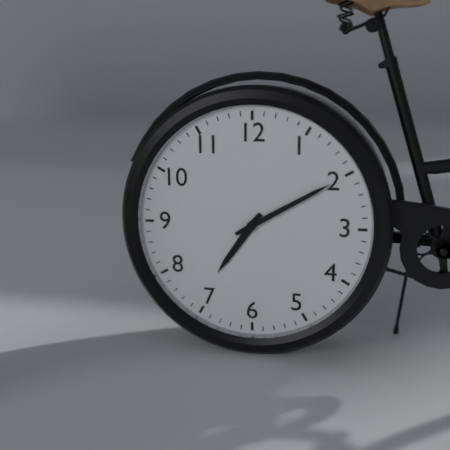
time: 7:10
